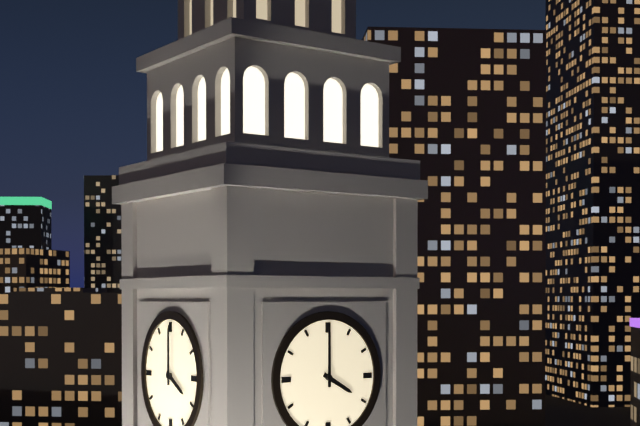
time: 4:00
